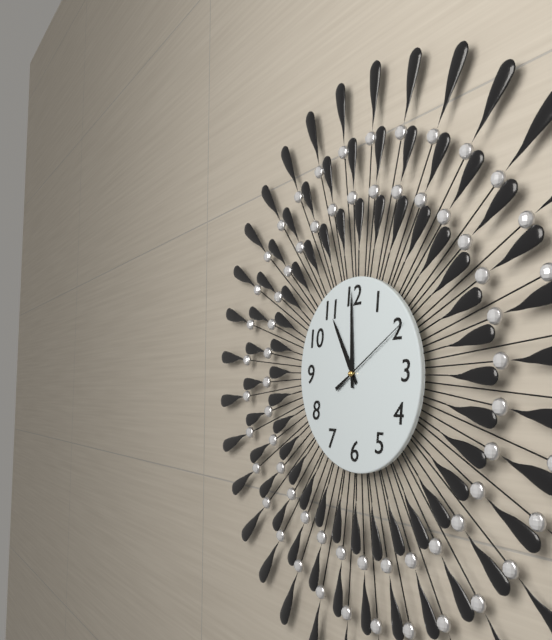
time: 11:00:10
